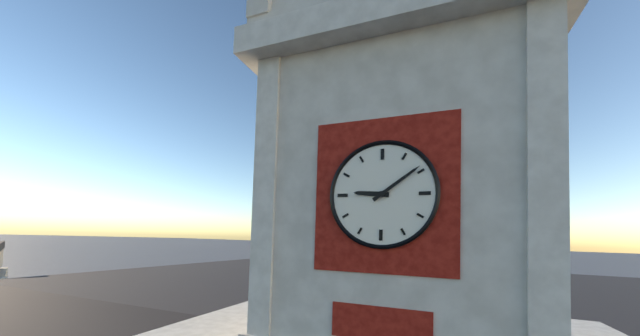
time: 9:09
